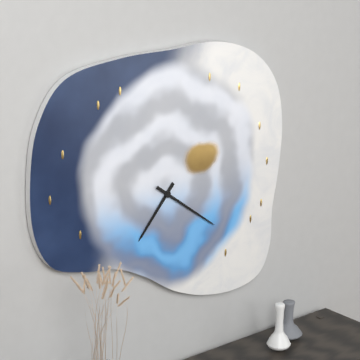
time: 7:21
